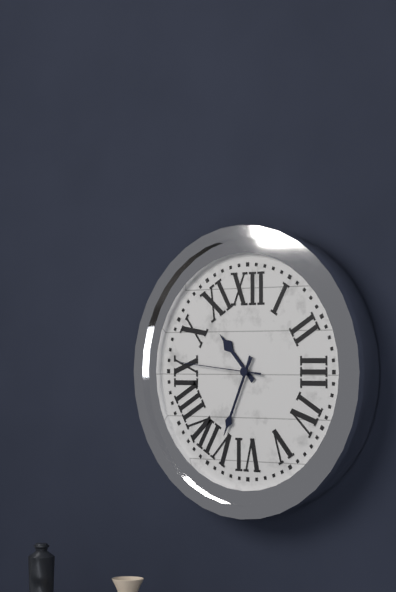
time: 10:34:46
